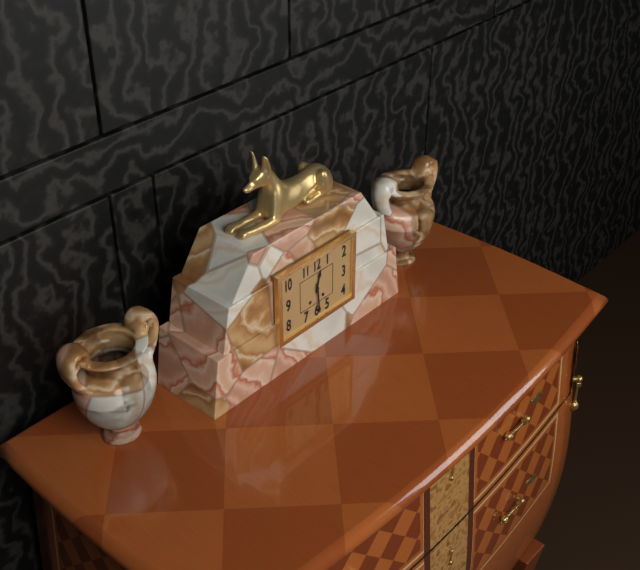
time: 12:29
